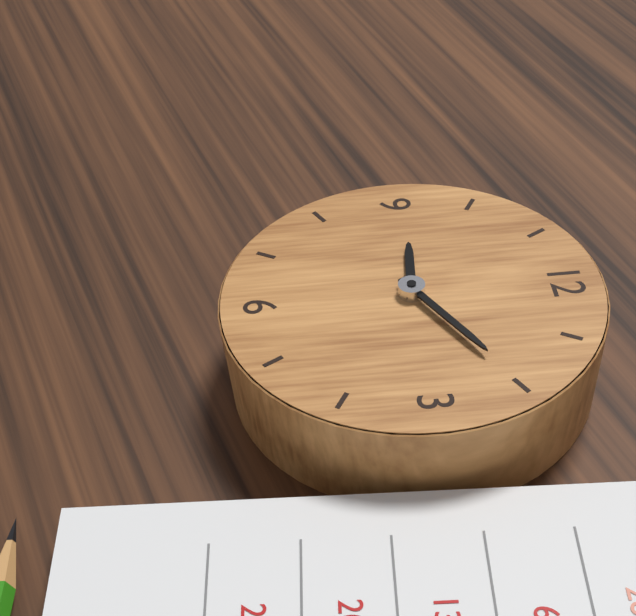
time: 9:10
